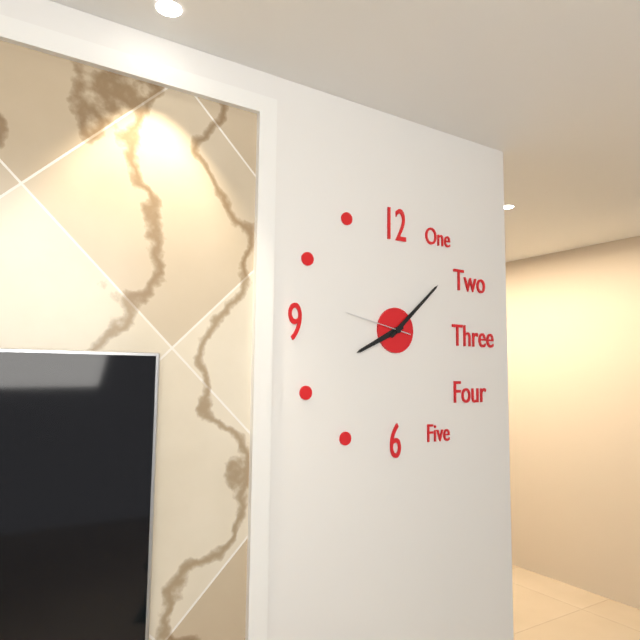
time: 8:08:47
